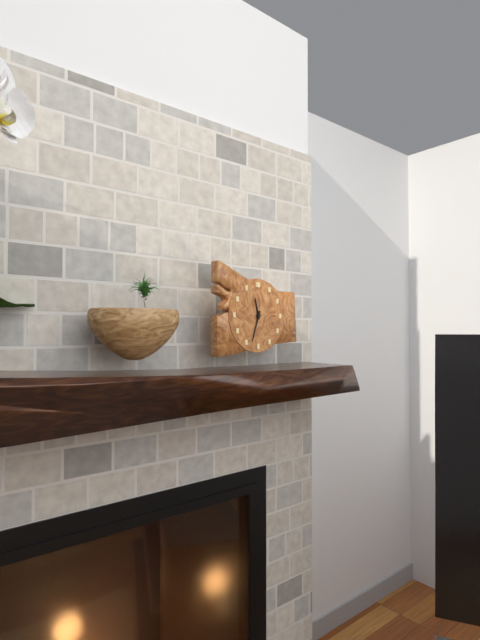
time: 11:33
